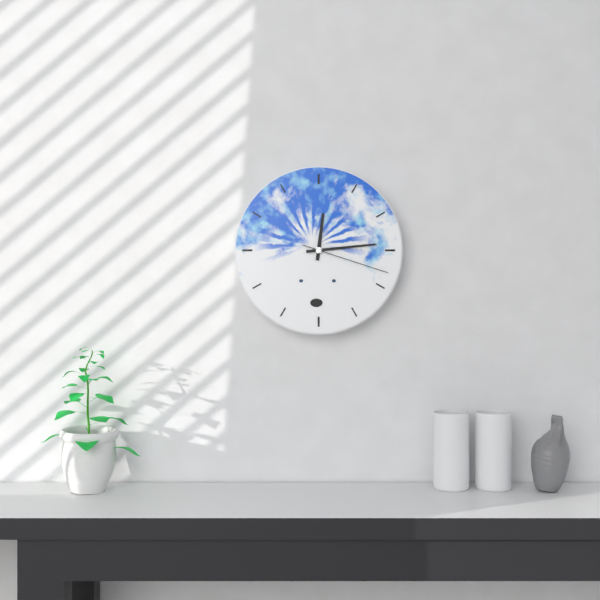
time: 12:14:18
